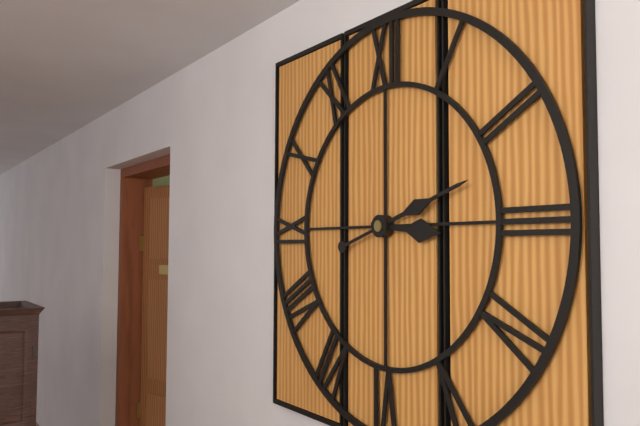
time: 3:12
